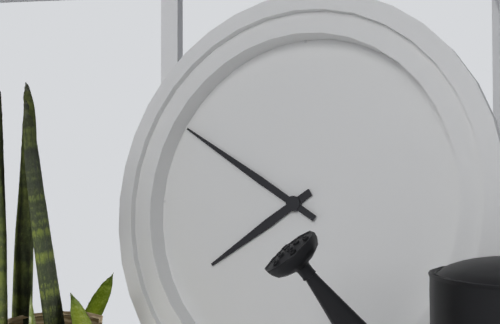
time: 7:50
